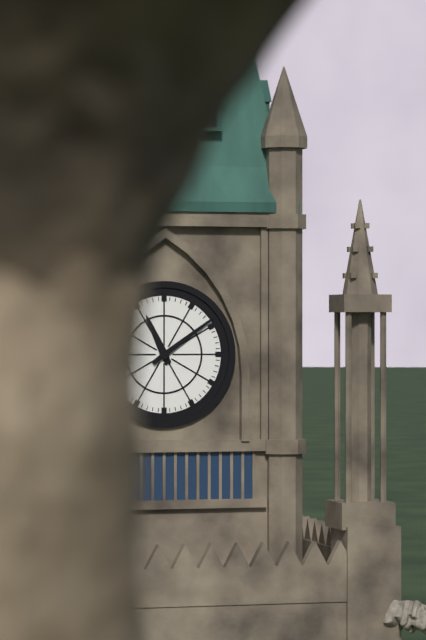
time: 11:09
